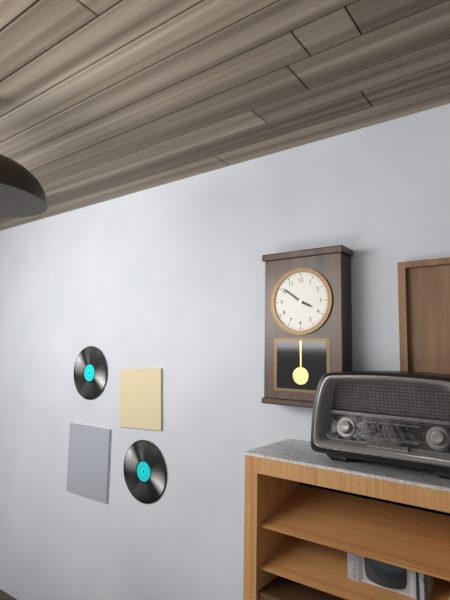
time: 3:51
